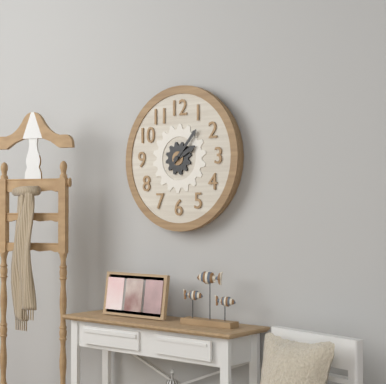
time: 2:07
